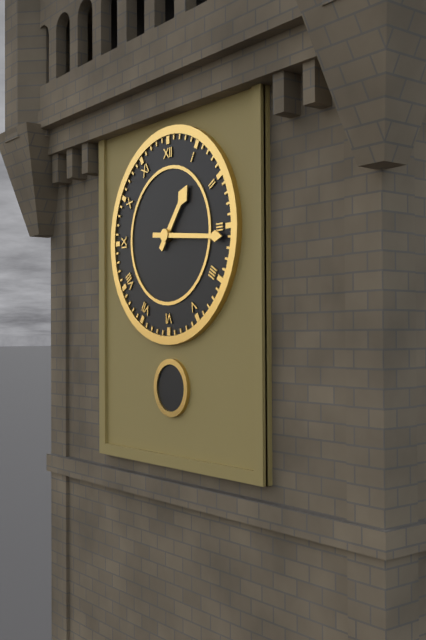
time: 1:16
